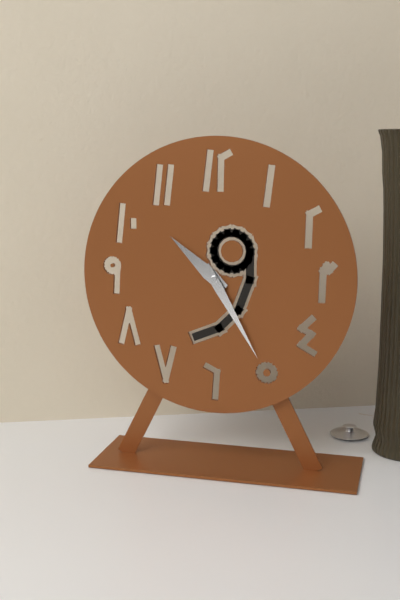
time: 10:25
